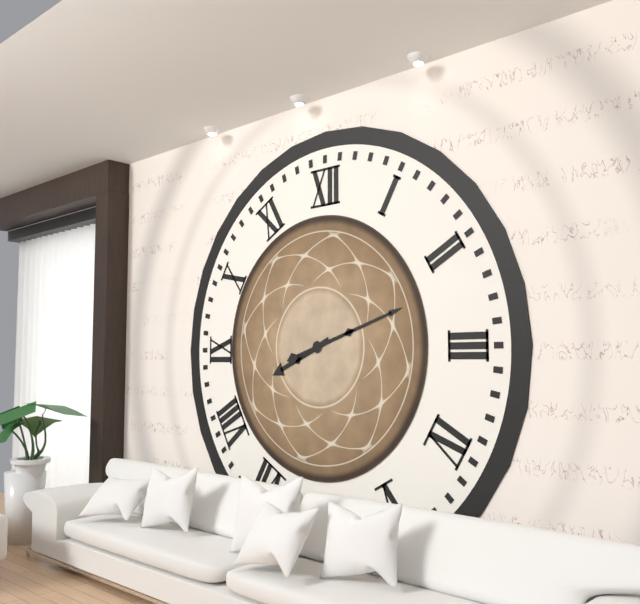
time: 8:12
